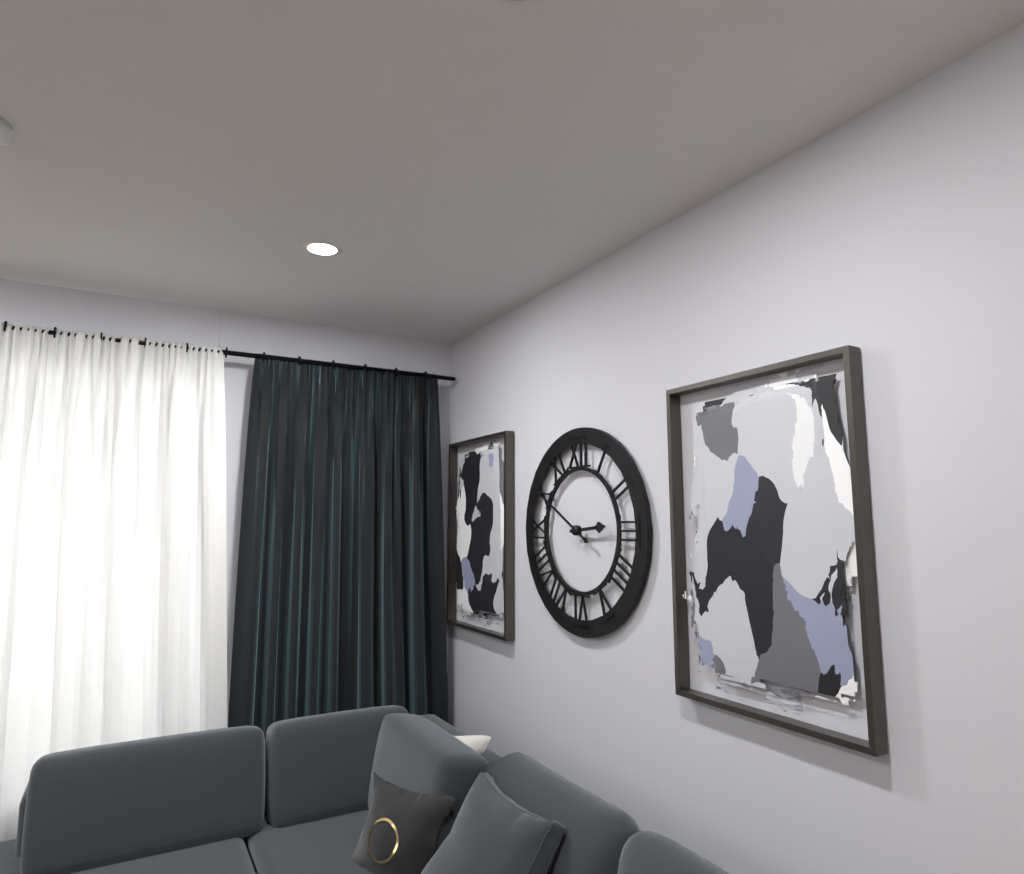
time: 2:50
